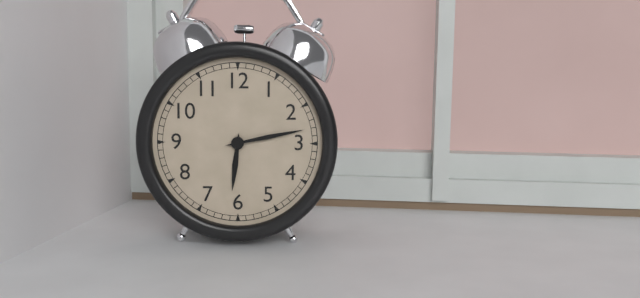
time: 6:13
